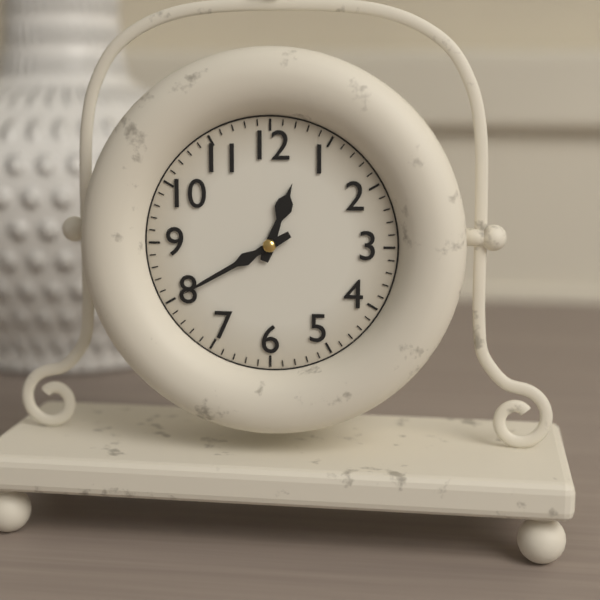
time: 12:40
